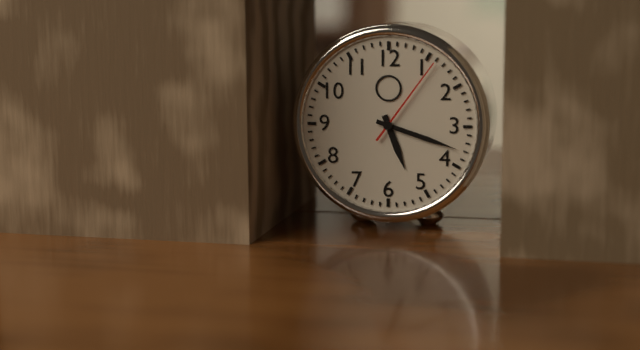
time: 5:18:06
